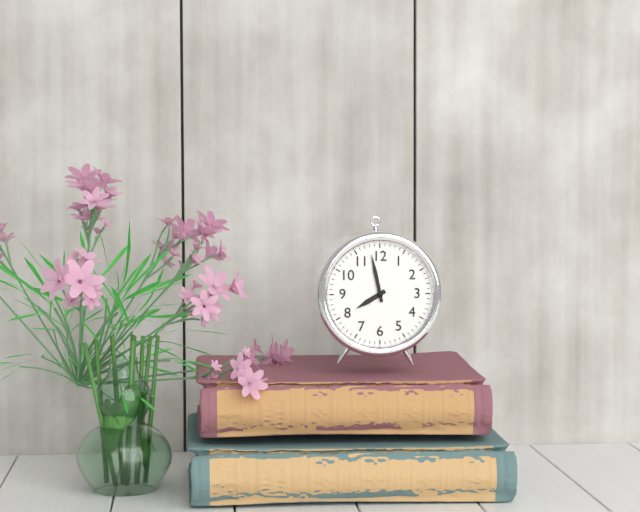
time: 7:58
